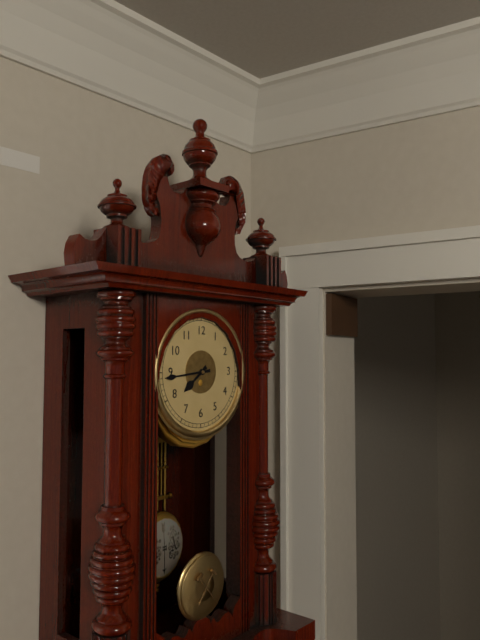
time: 7:44
